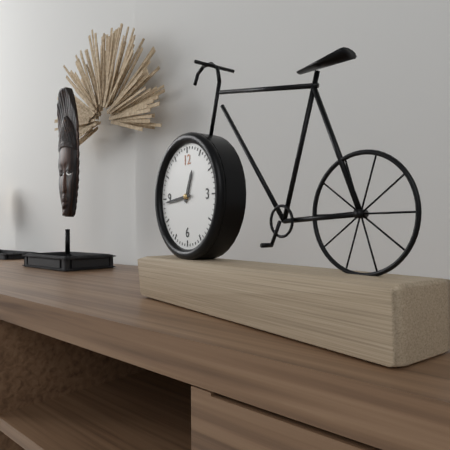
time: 12:44
